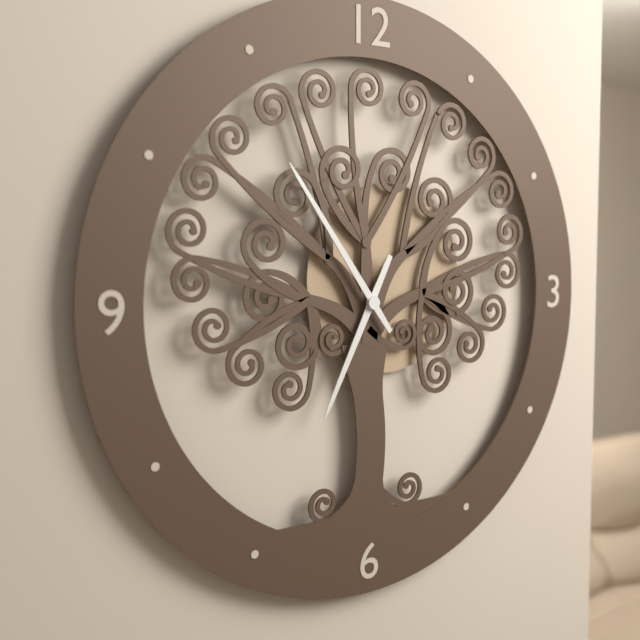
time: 6:54
